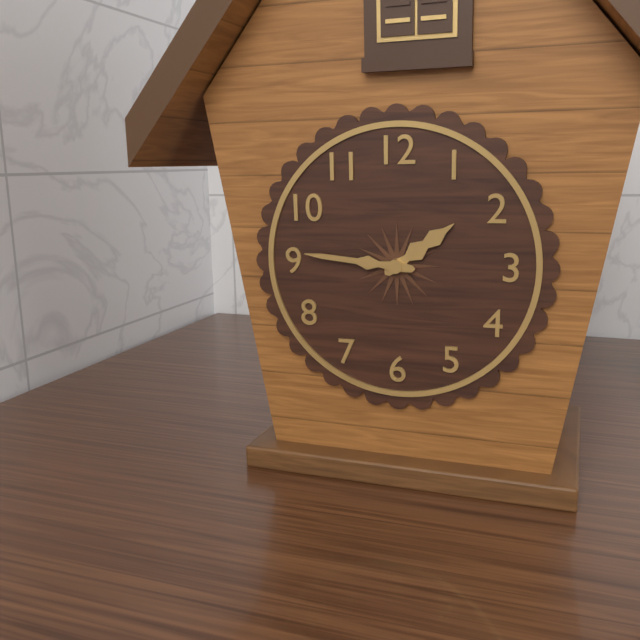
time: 1:46
